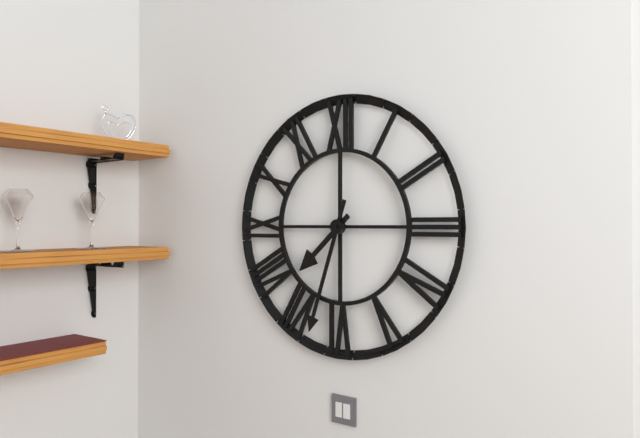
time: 7:33
